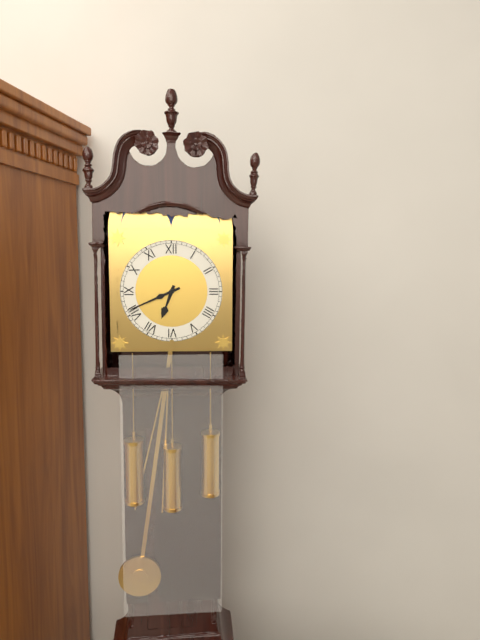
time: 6:41
